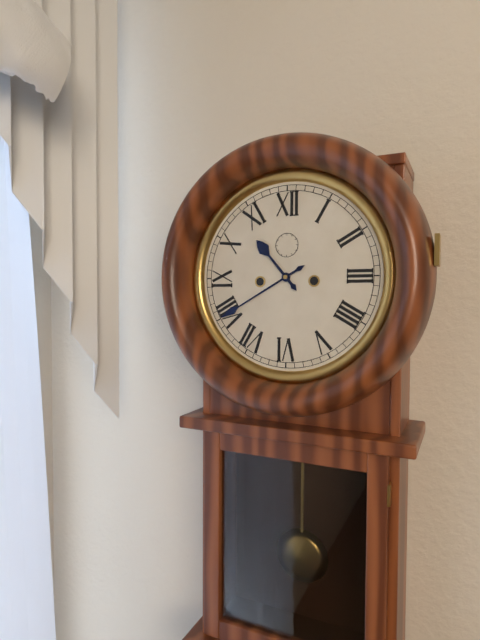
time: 10:40
